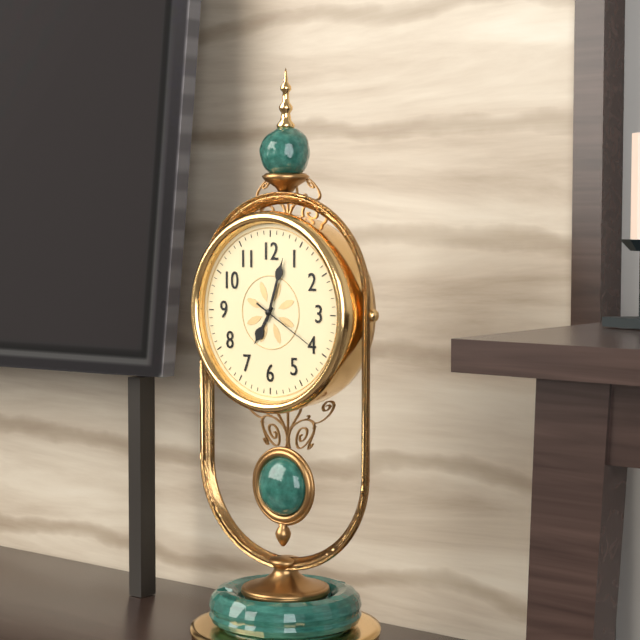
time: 7:03:20
